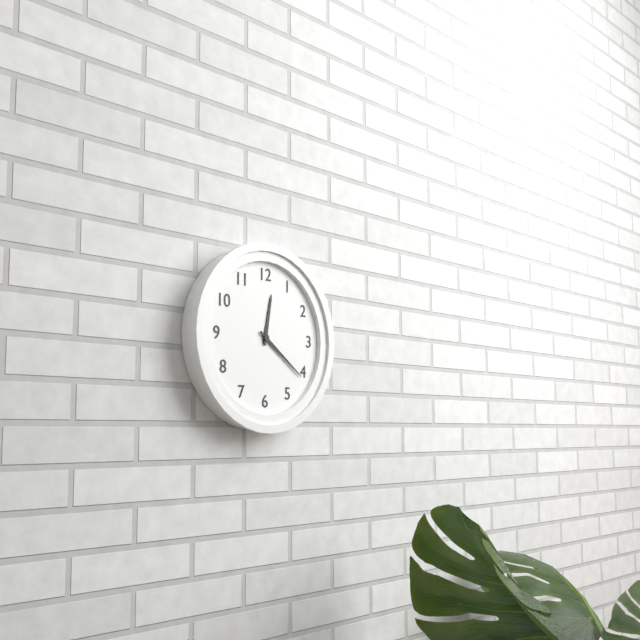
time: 12:21
